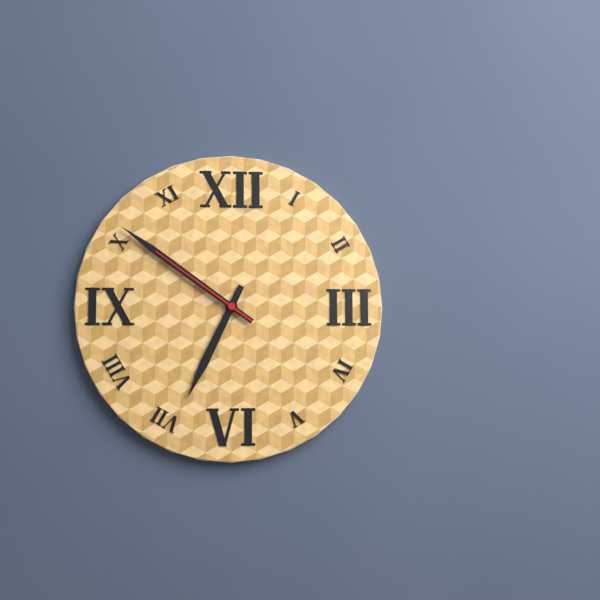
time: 6:51:51
